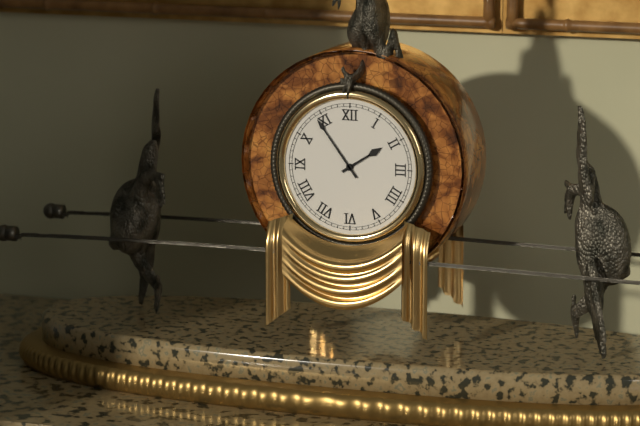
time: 1:54
